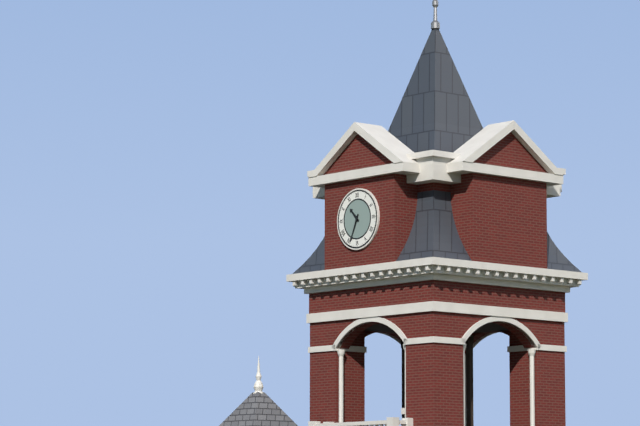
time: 10:34
